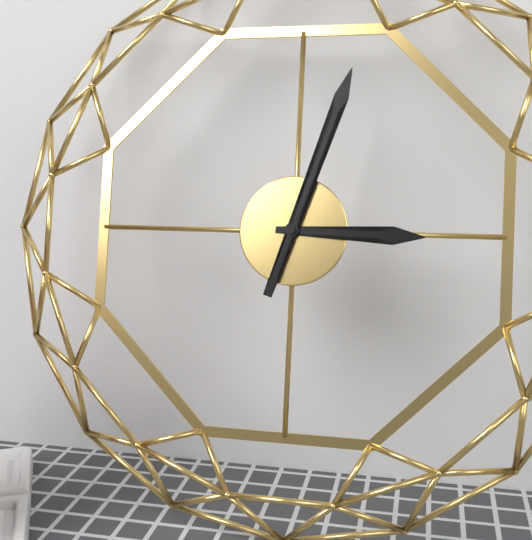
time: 3:03
